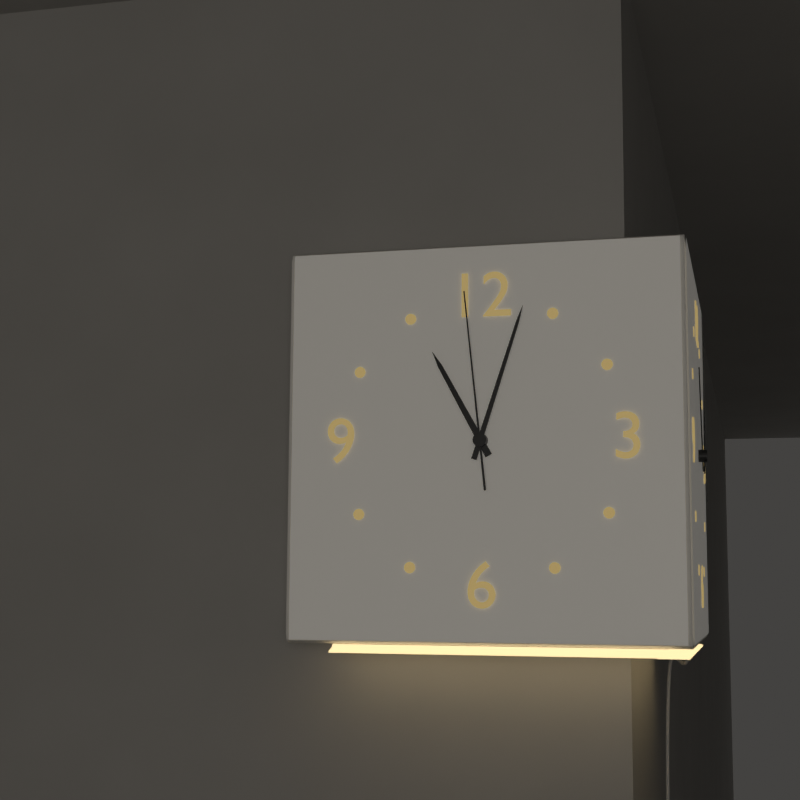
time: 11:03:59
